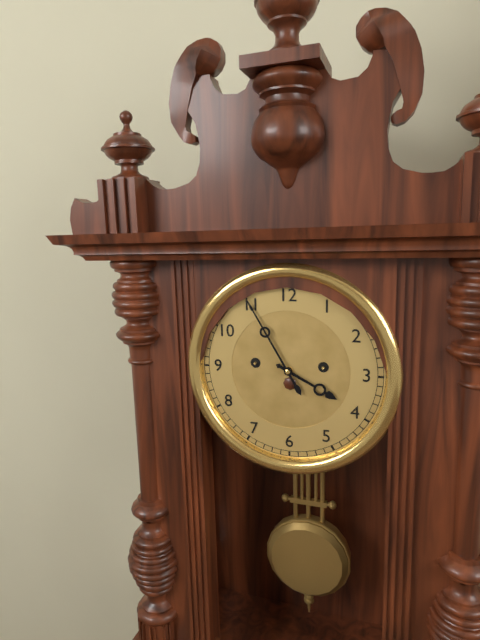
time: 3:55
